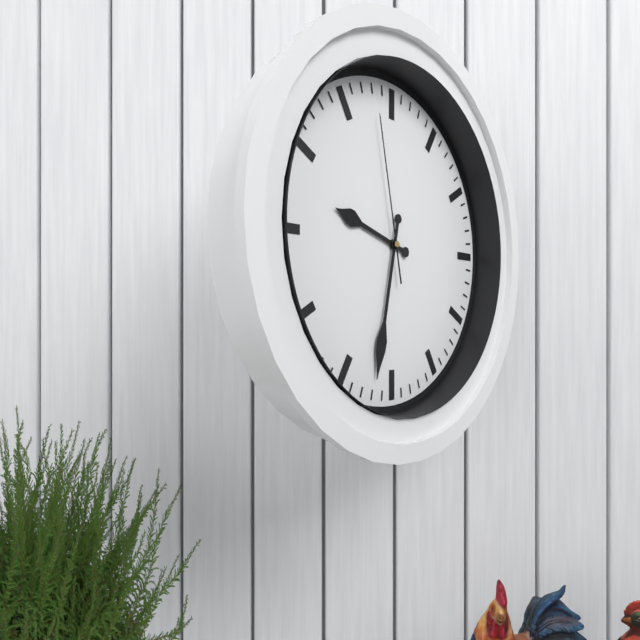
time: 9:32:58
